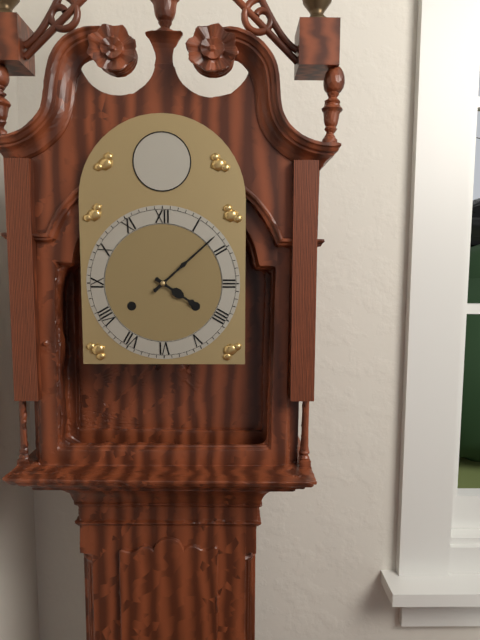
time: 4:08
